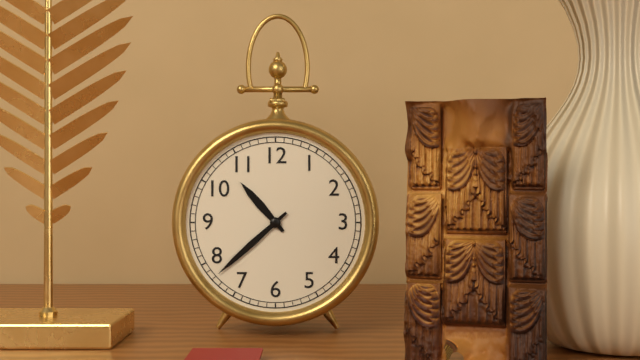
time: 10:38
